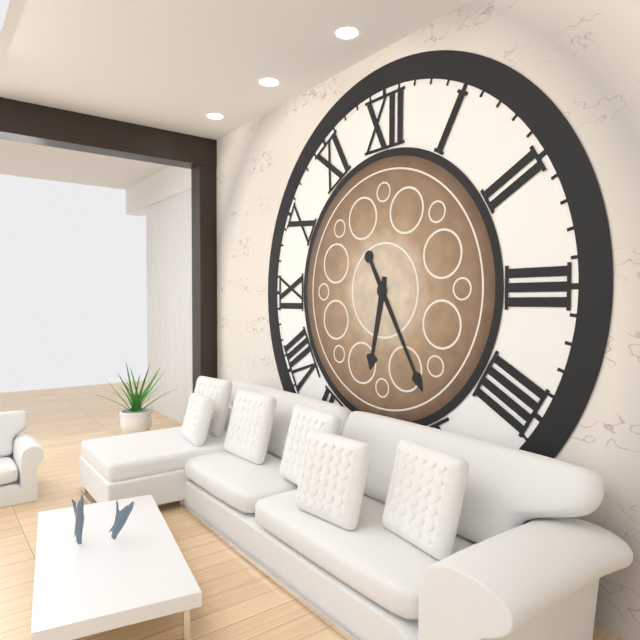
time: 6:25
